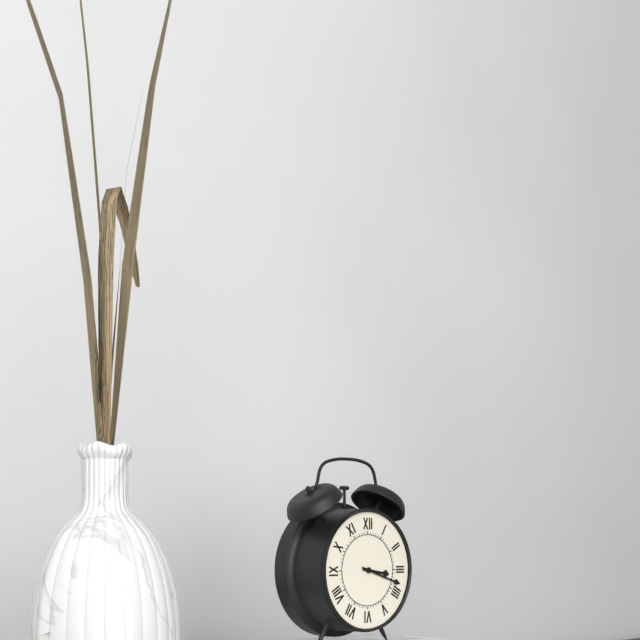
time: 3:18
